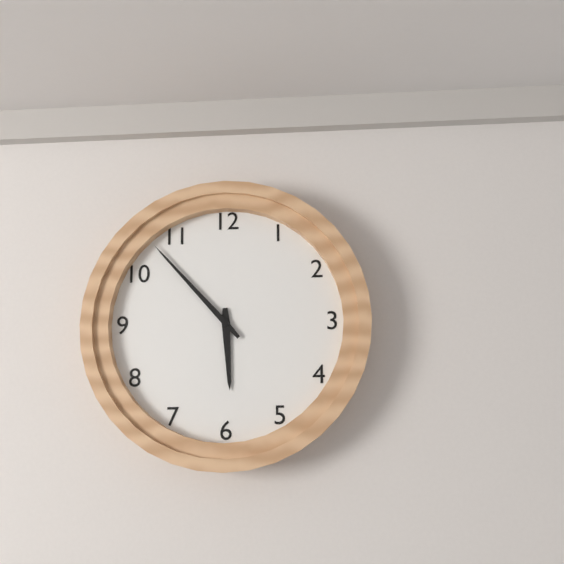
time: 5:53
